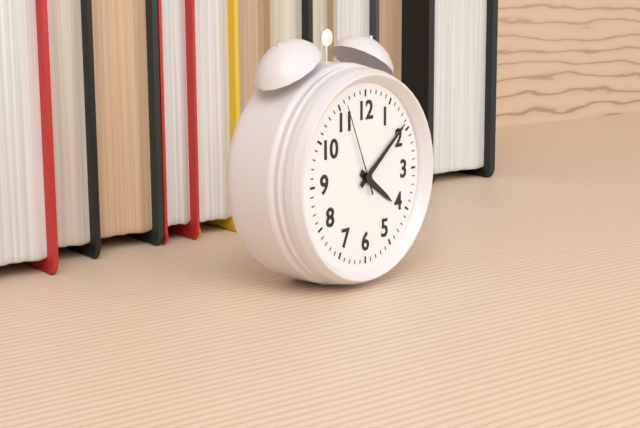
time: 4:09:56
